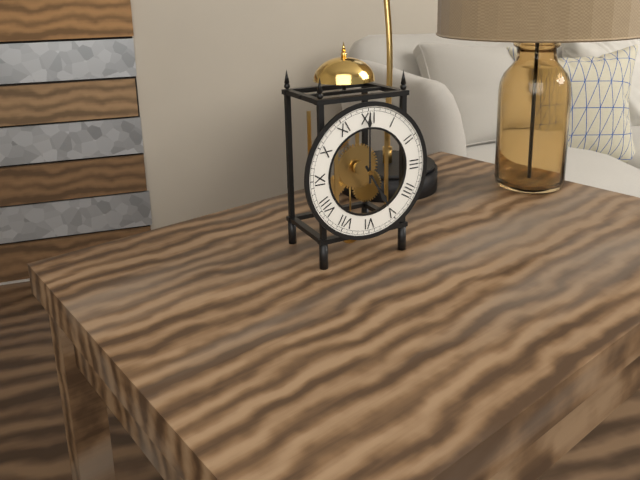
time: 5:00
